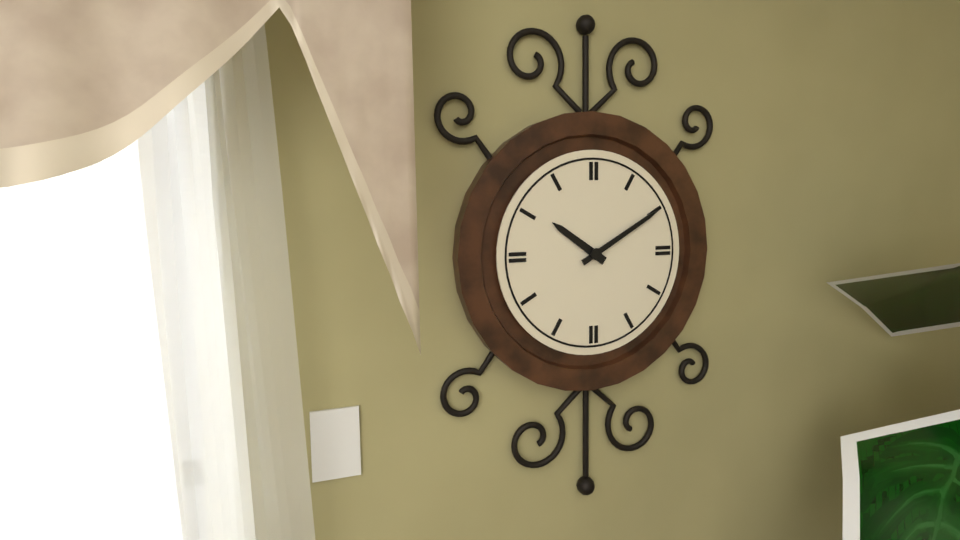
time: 10:10
